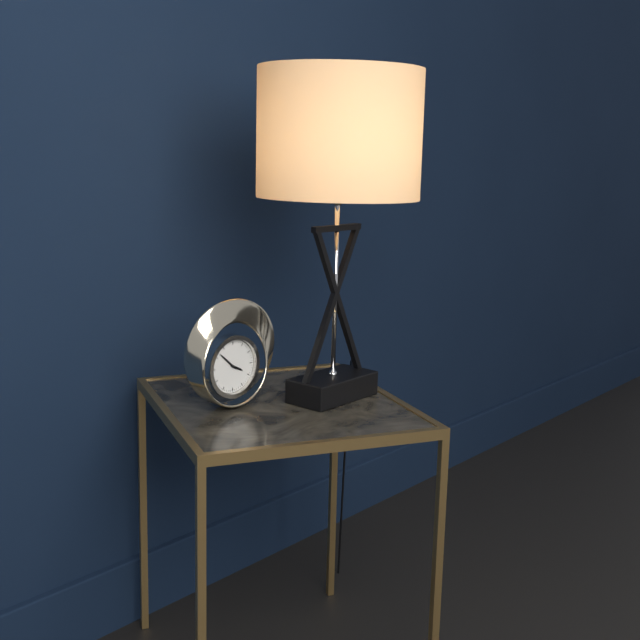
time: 3:52
